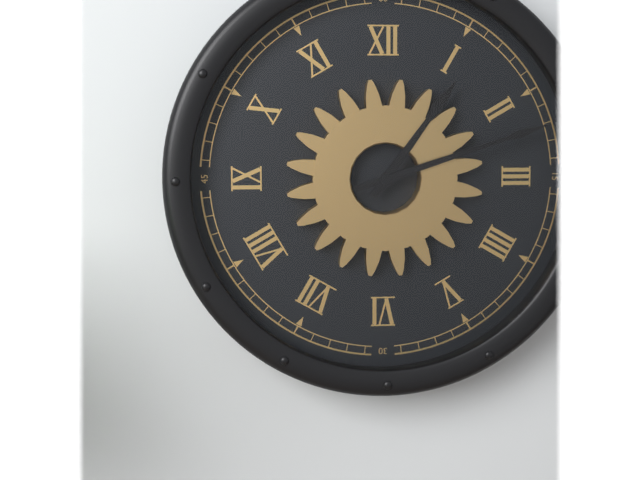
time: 1:12
